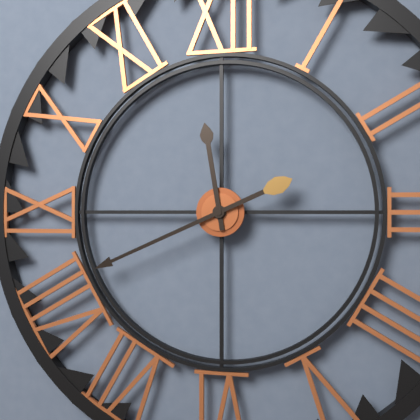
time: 11:41
